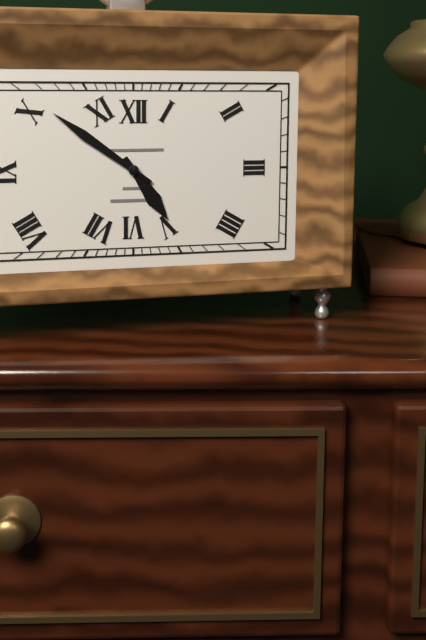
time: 4:51
